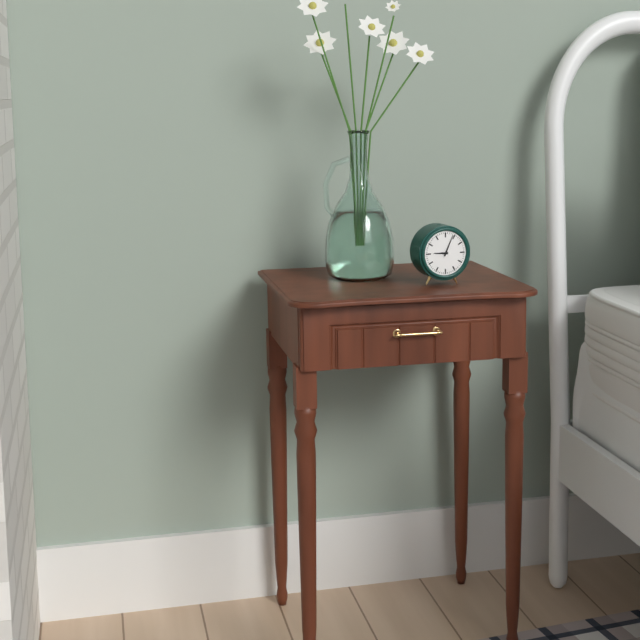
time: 9:04
